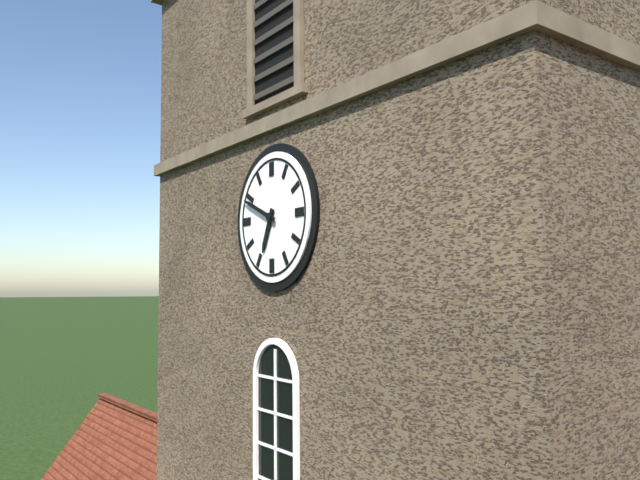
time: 6:49
